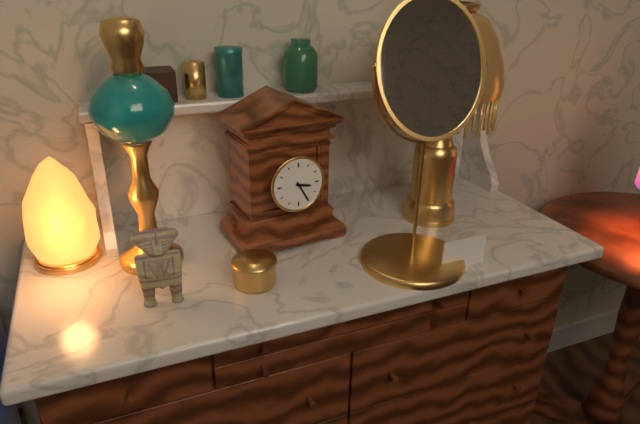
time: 3:25
